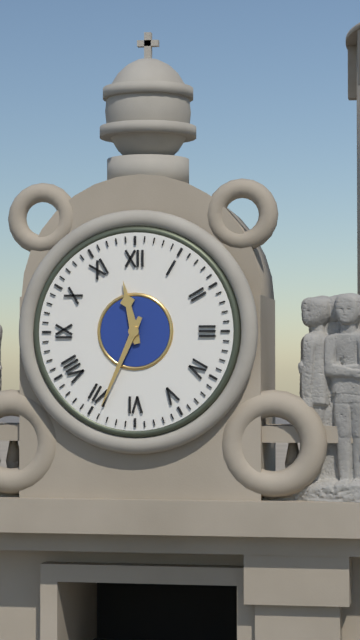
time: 11:34
